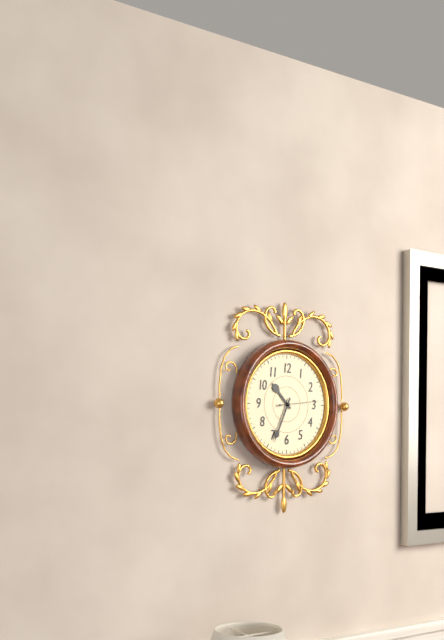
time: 10:34
